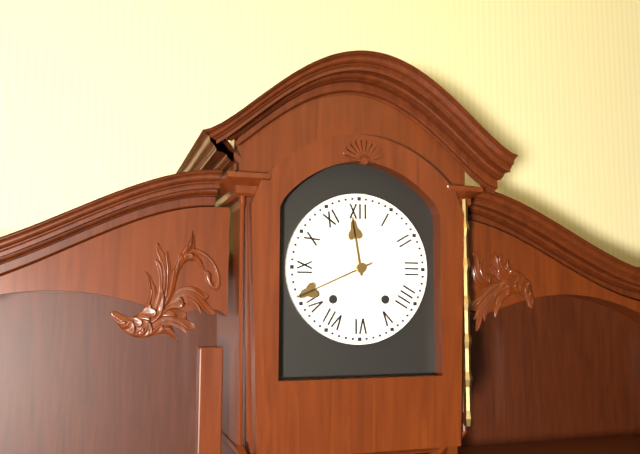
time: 11:41
